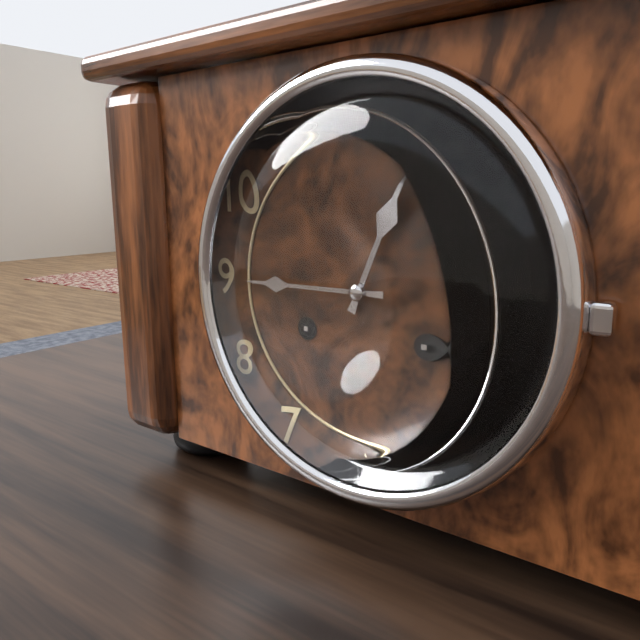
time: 12:45
